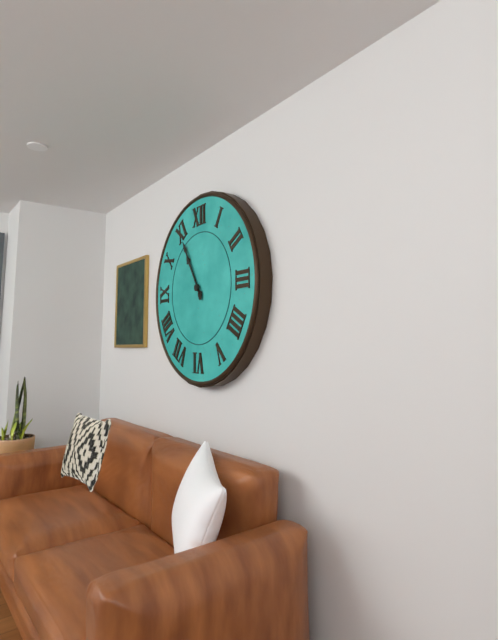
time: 10:55
